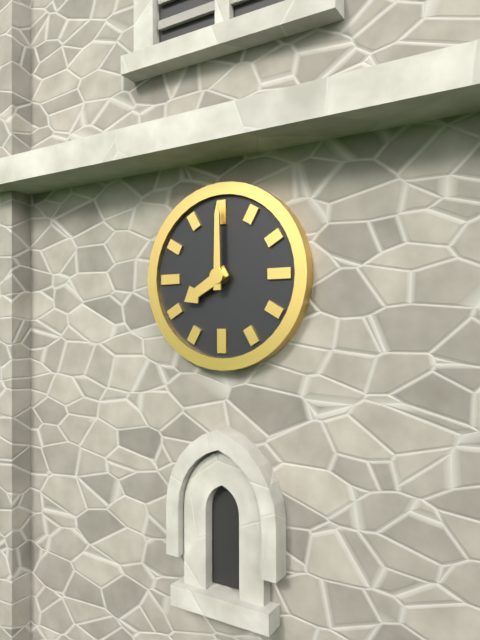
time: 8:00
